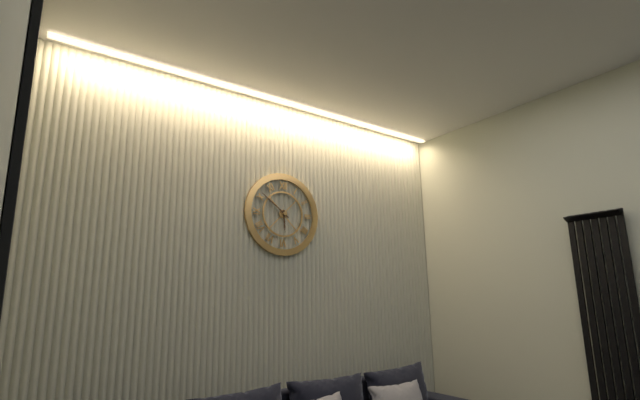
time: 5:51
